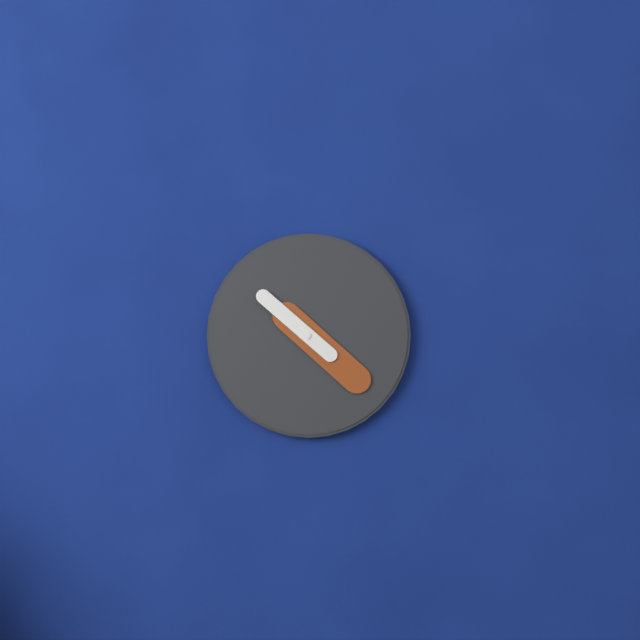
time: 10:22
